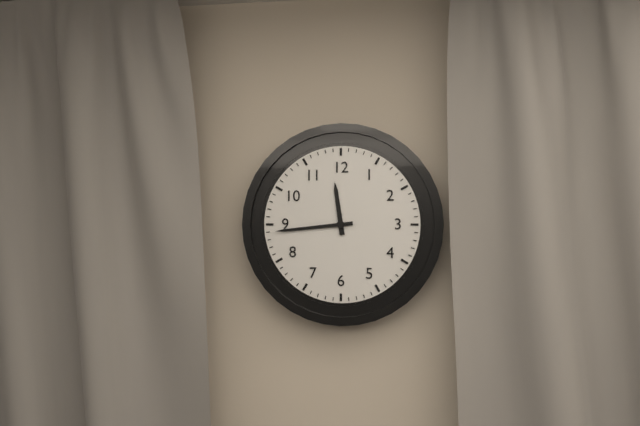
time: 11:44
